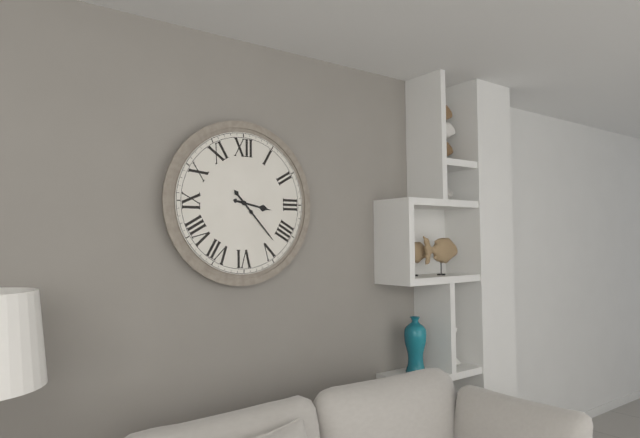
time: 3:23
